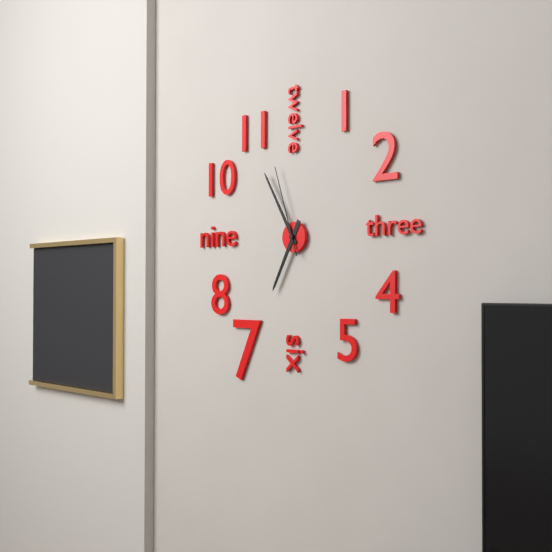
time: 6:55:57
